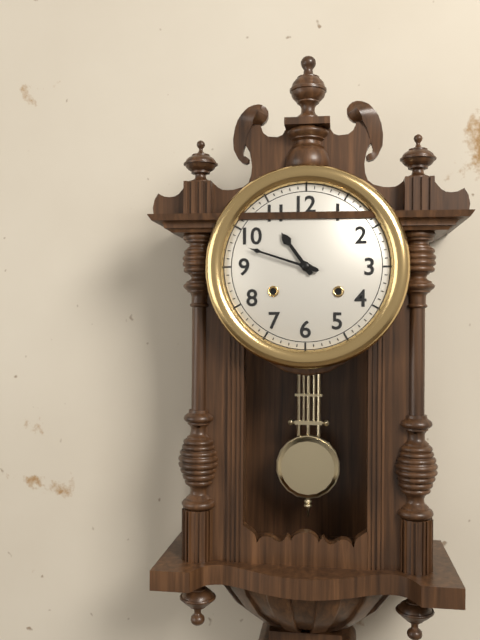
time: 10:48
